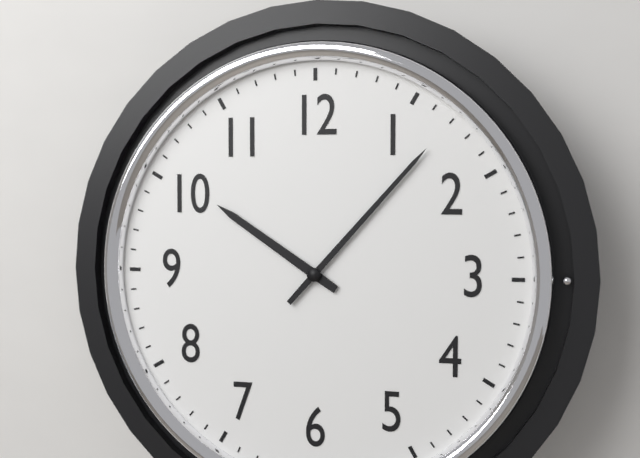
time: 10:07
